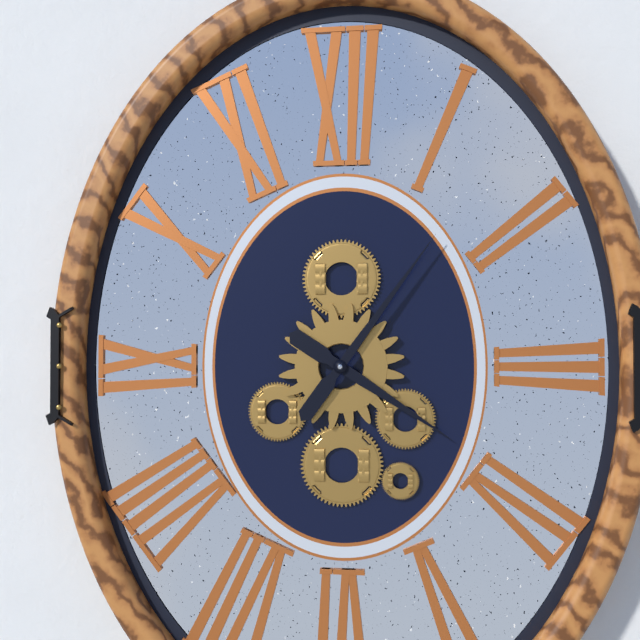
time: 4:06
